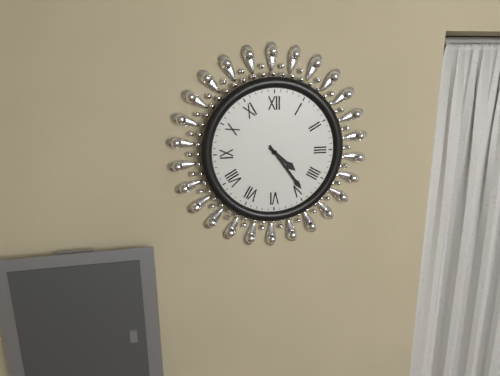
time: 4:24
